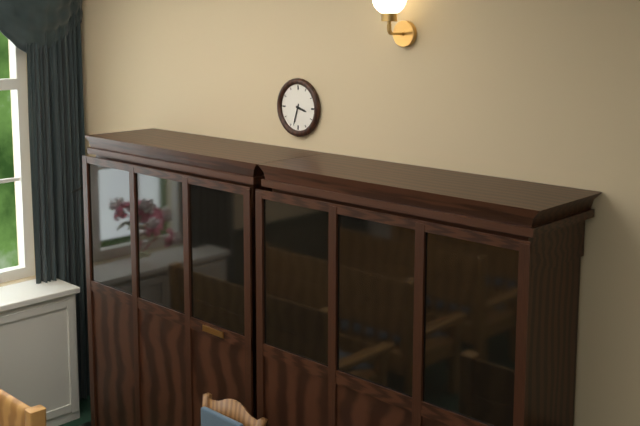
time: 3:33
